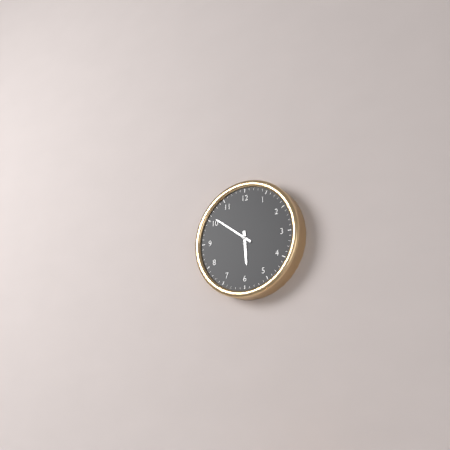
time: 5:51
